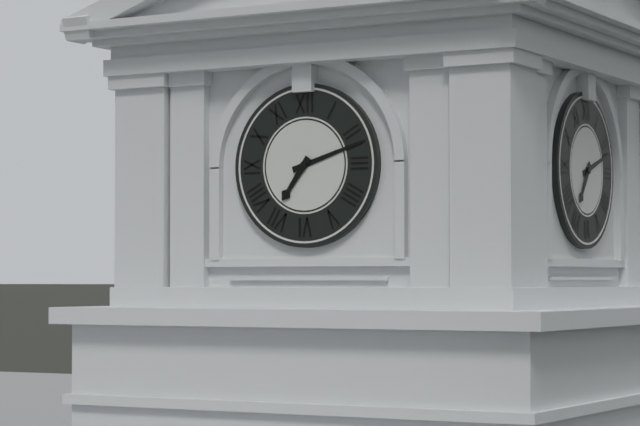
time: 7:12
